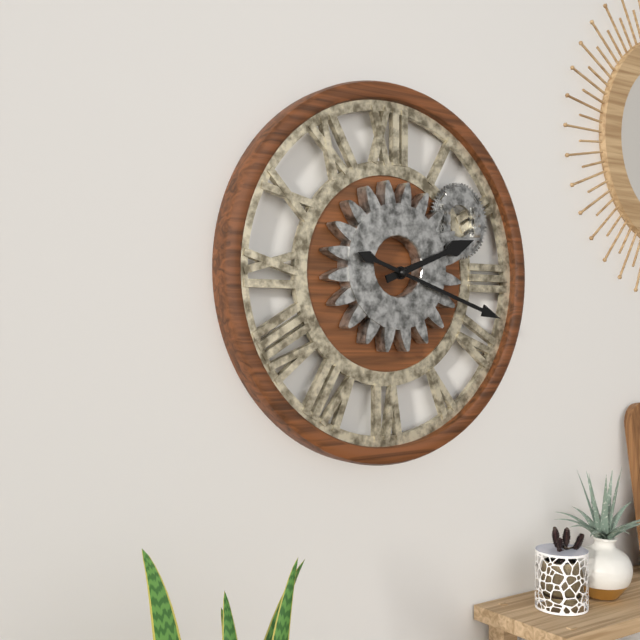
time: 2:18
